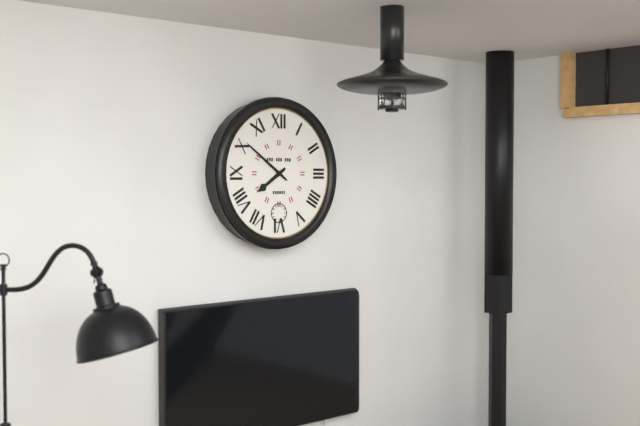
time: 7:51
